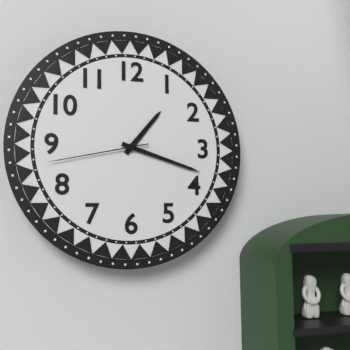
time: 1:18:43
